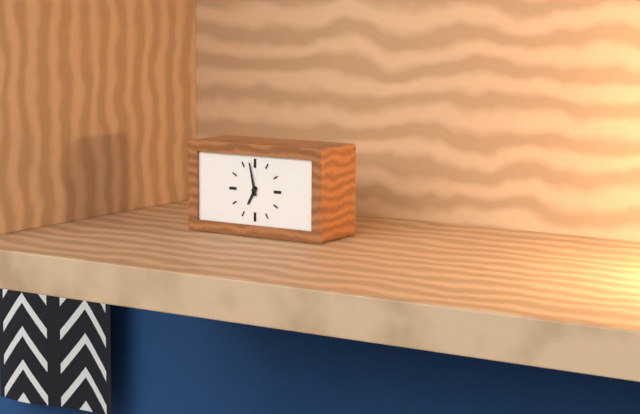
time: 6:58
